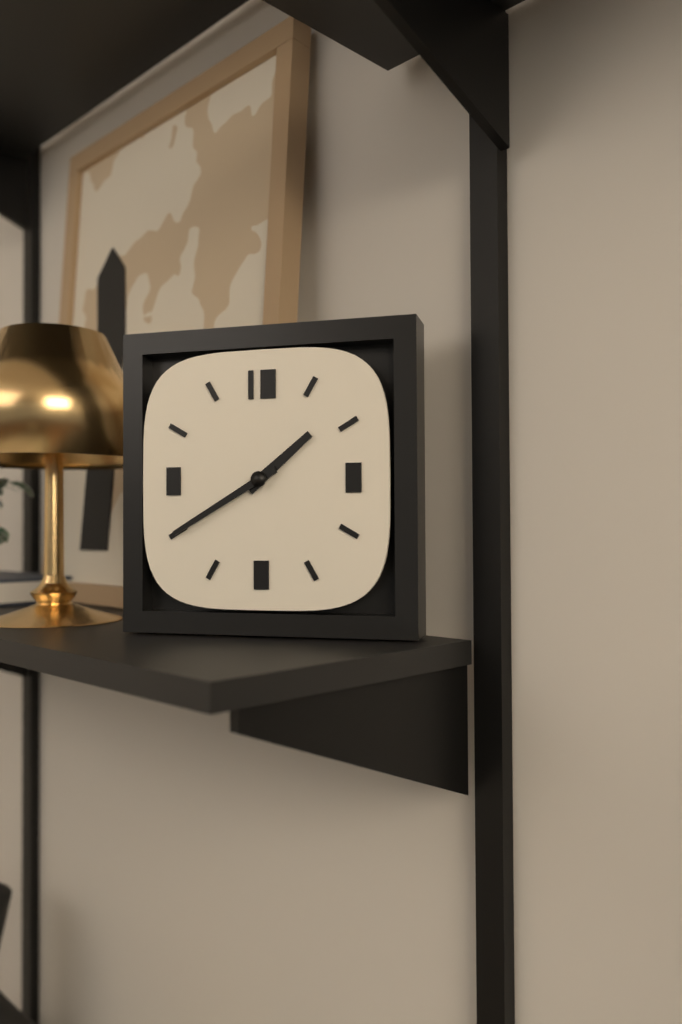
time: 1:40
